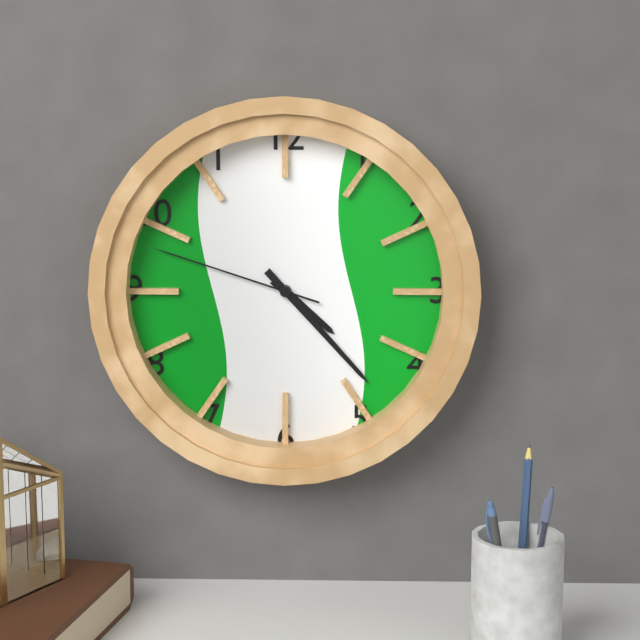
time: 4:23:48
